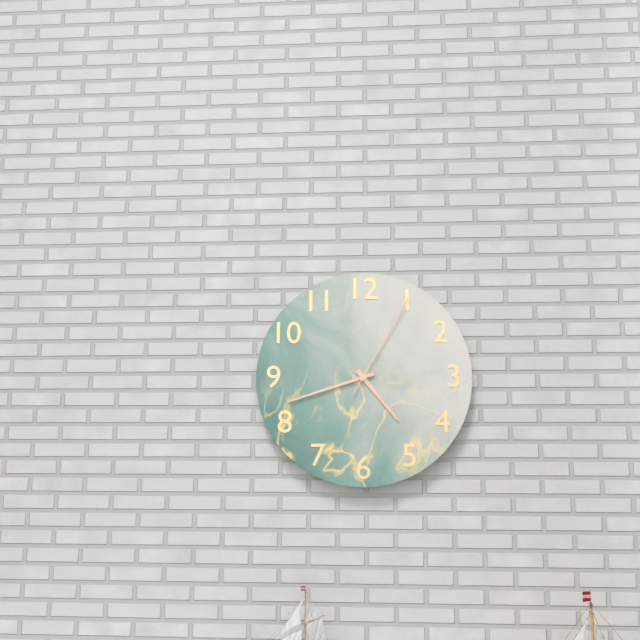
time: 4:42:05
